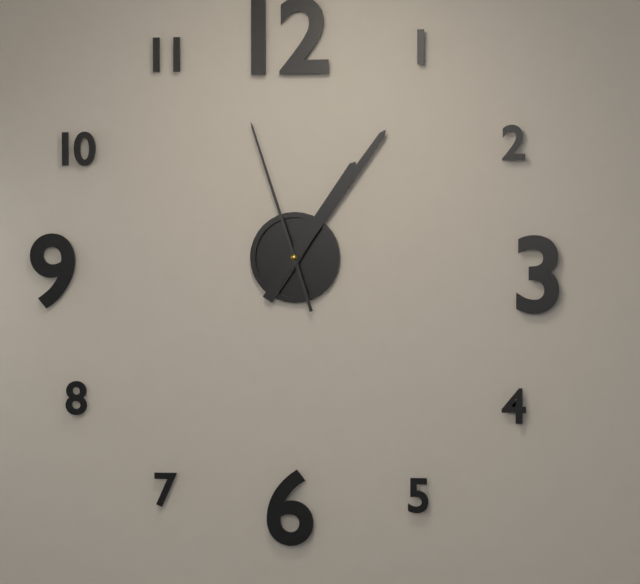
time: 1:06:57
